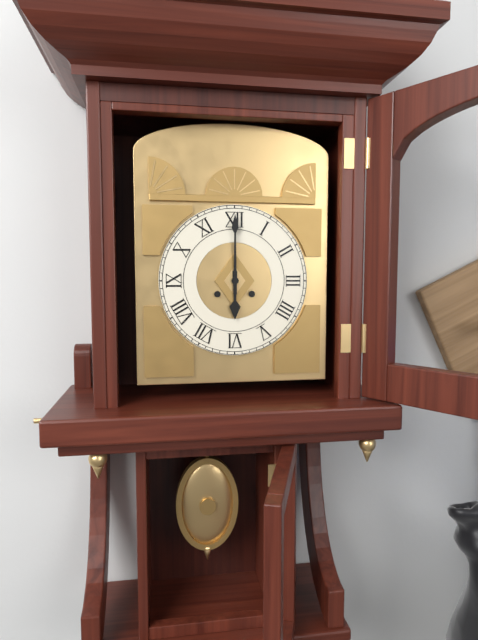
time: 6:00
